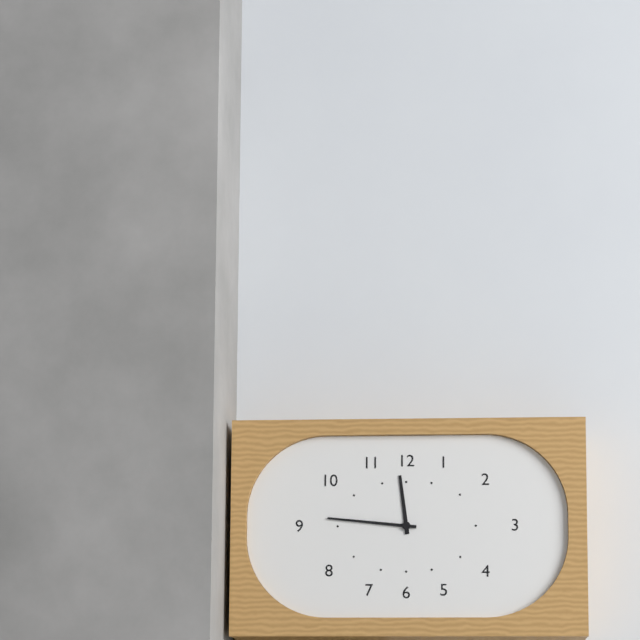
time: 11:46
